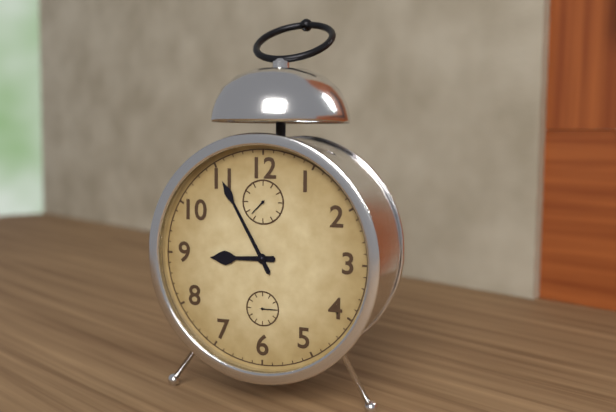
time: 8:55
